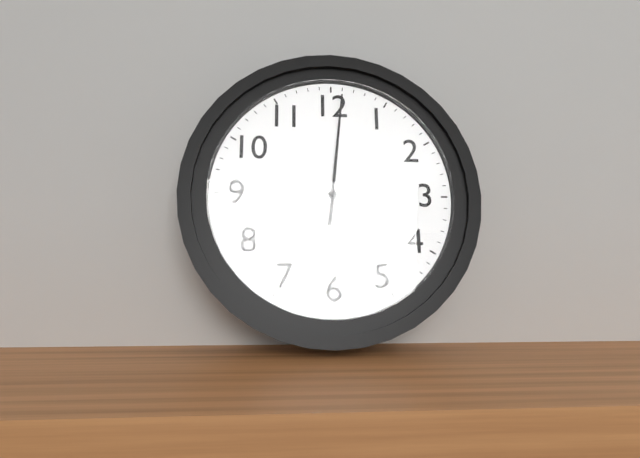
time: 7:01
